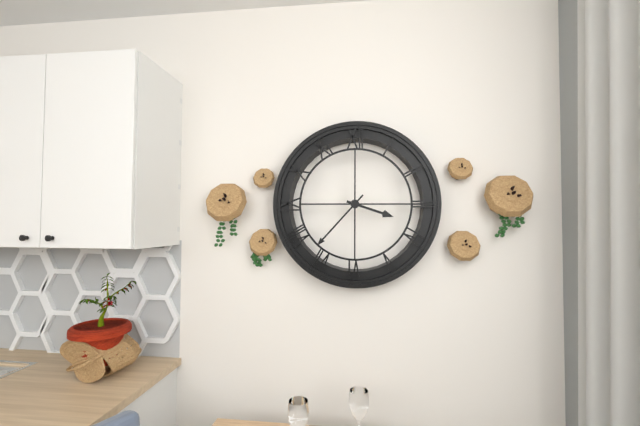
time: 3:37
